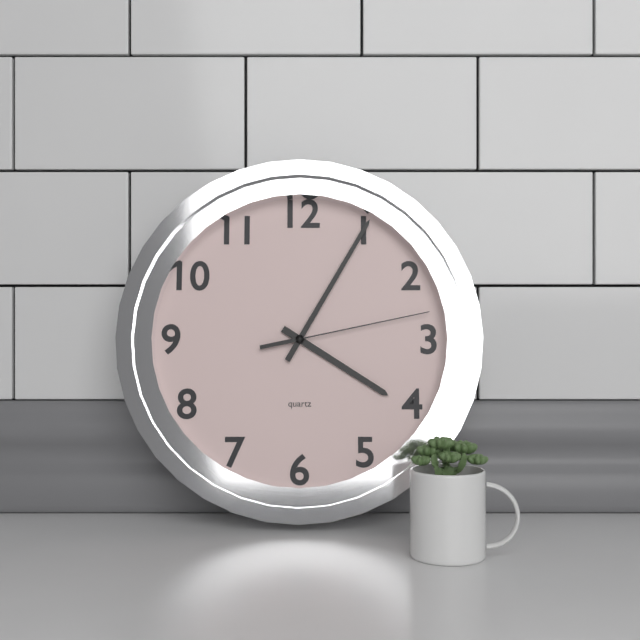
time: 4:05:13
